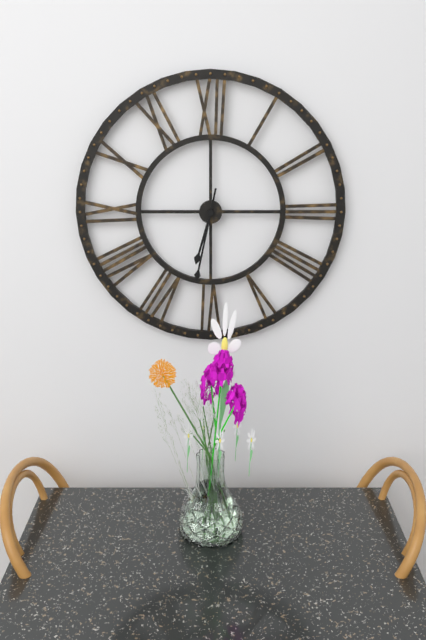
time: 6:32
